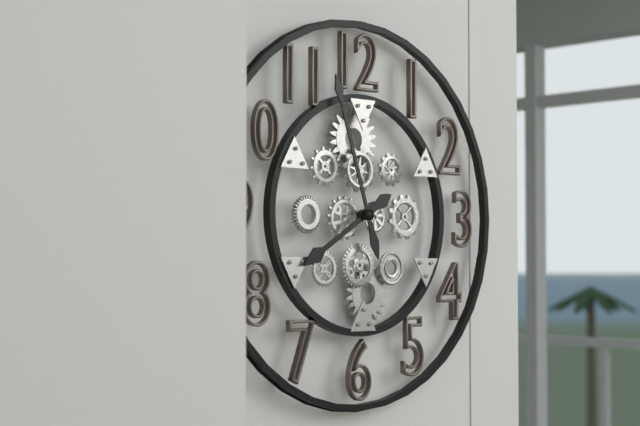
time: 7:57
